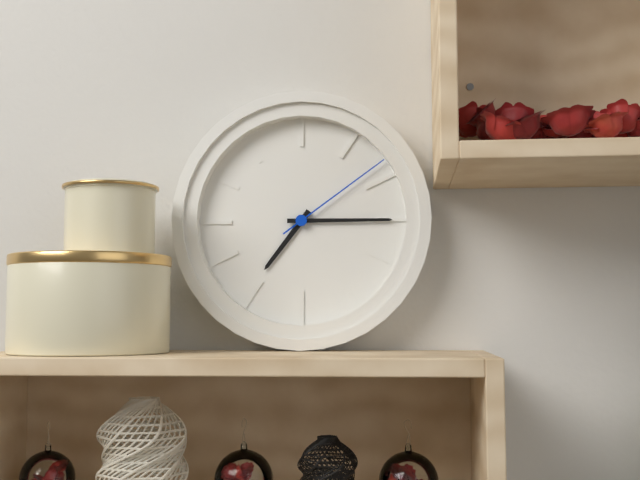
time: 7:15:09
